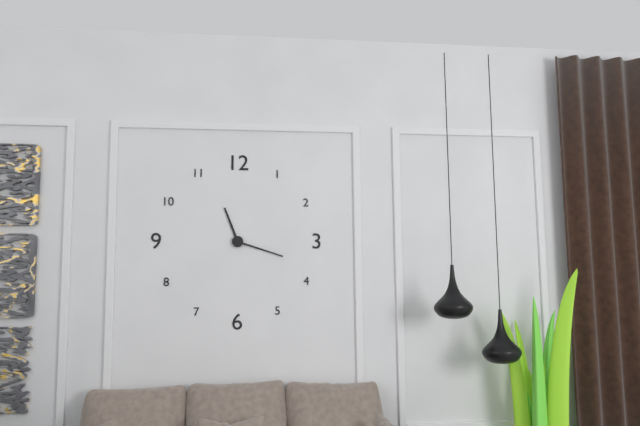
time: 11:18
